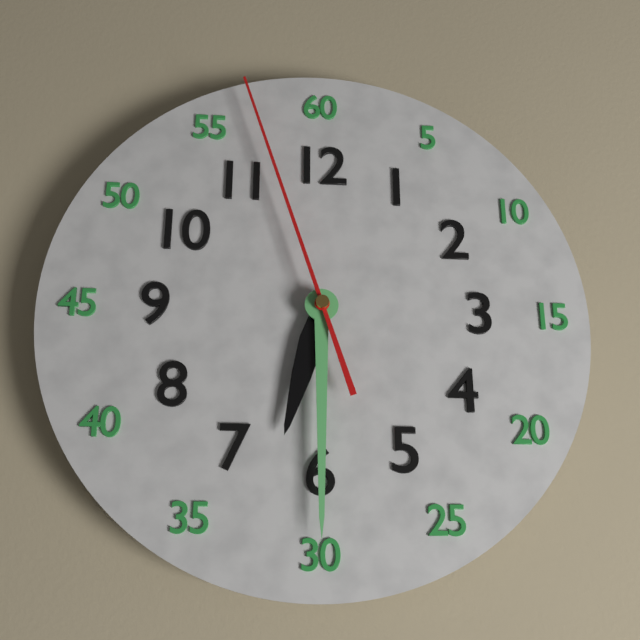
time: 6:30:57
